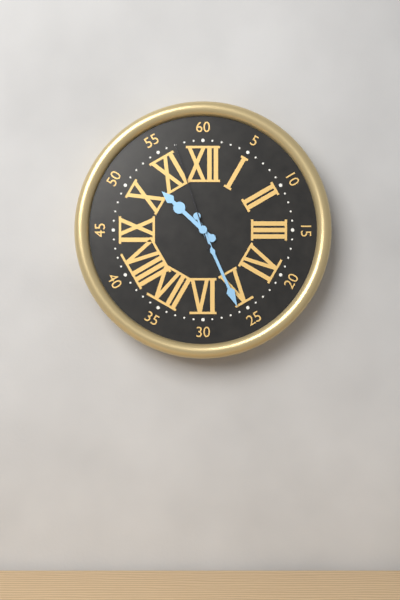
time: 10:26:57
